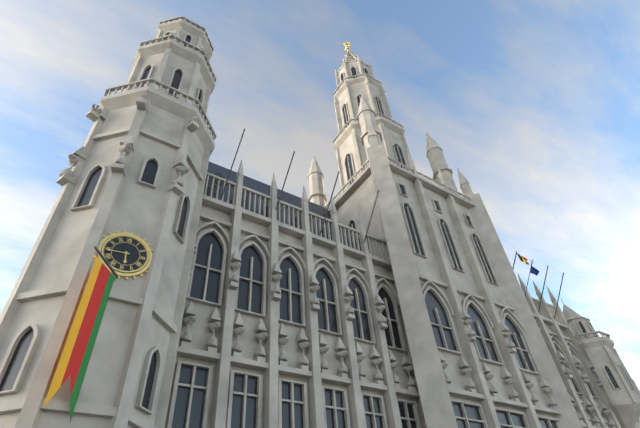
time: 5:44
